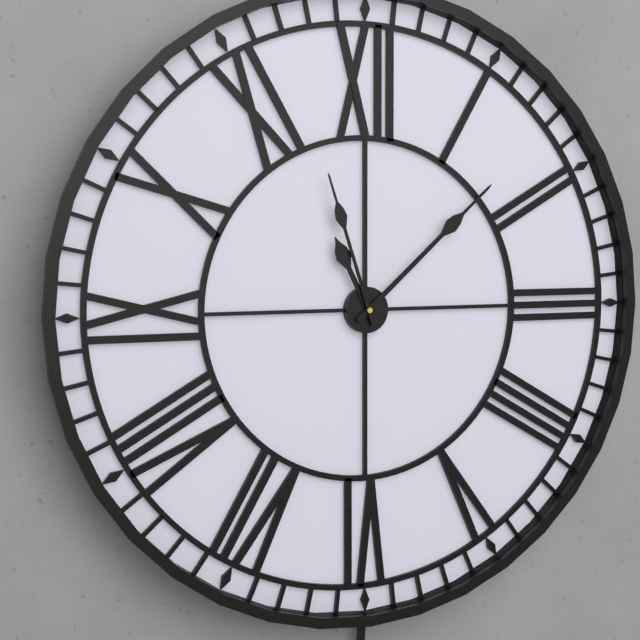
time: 11:08:57
